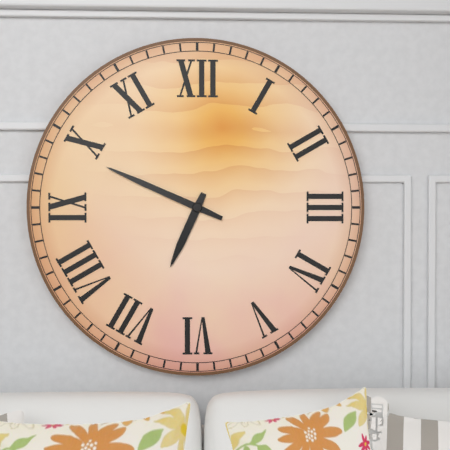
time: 6:49
